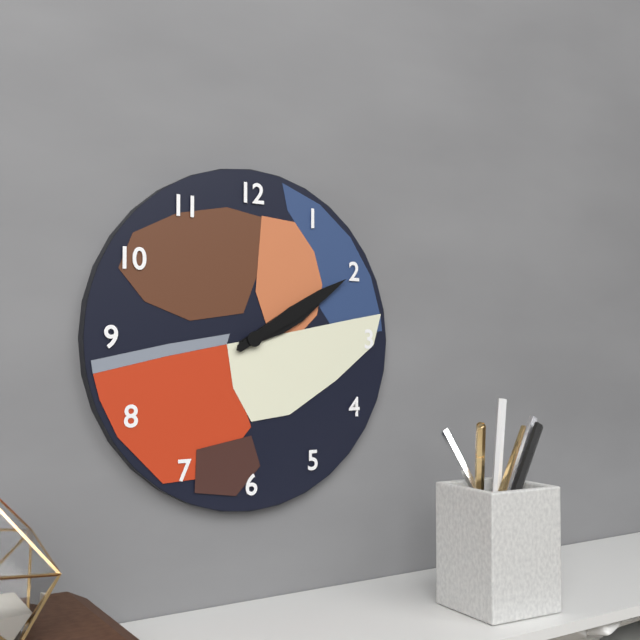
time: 2:10
